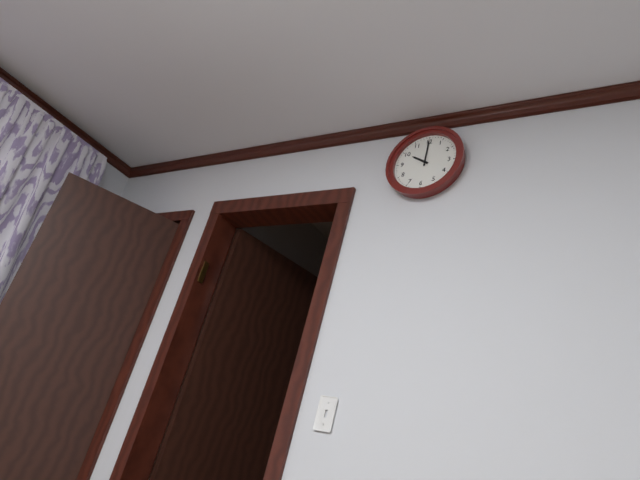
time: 10:00
